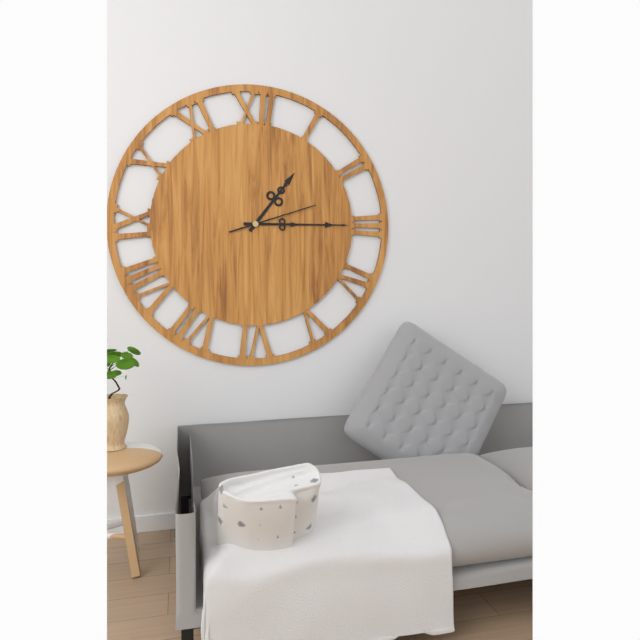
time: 1:15:12
